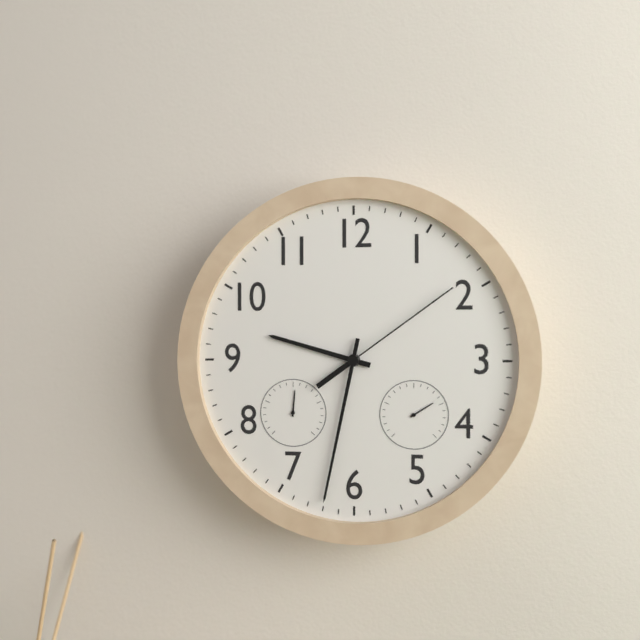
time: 9:32:09
